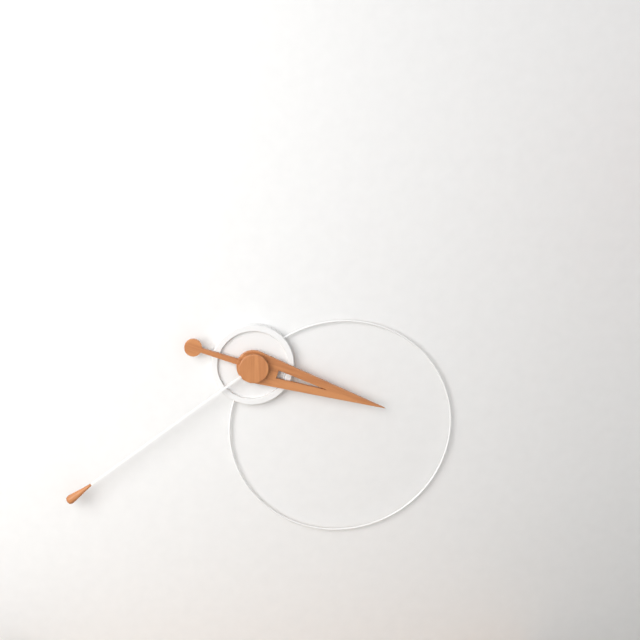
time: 3:39
